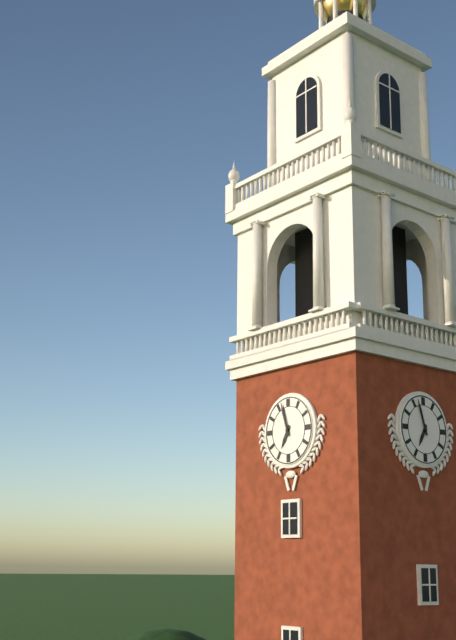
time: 6:57
